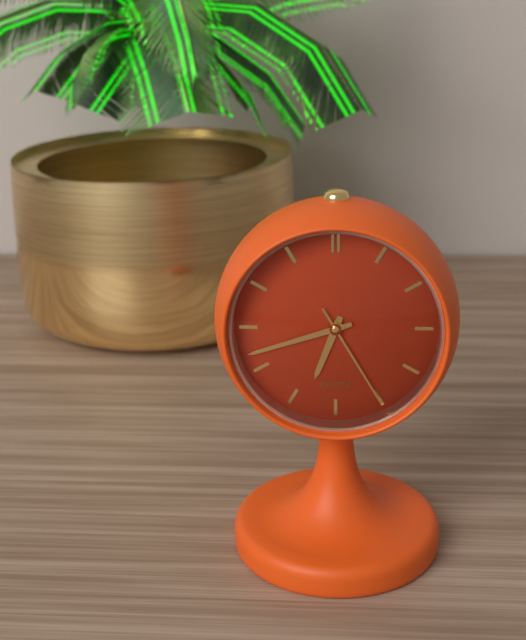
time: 6:42:25
